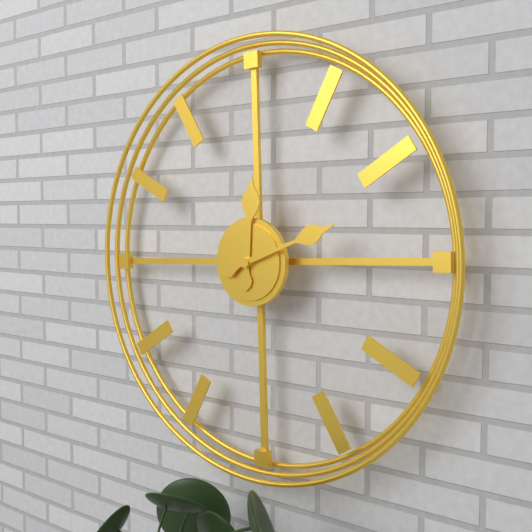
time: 12:12
